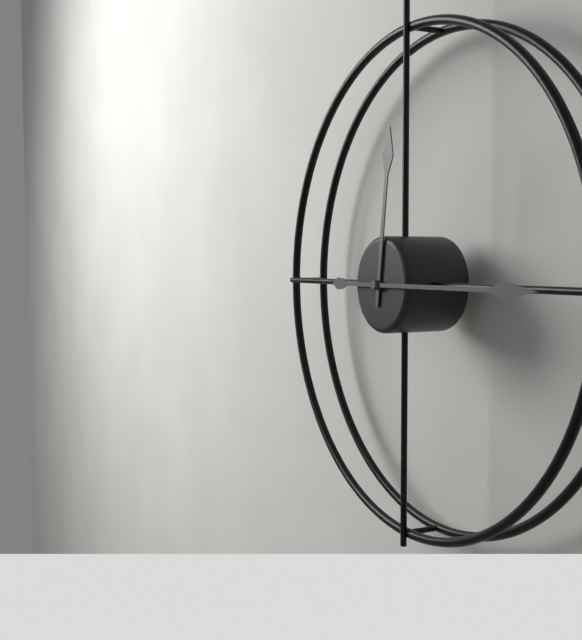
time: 12:15
